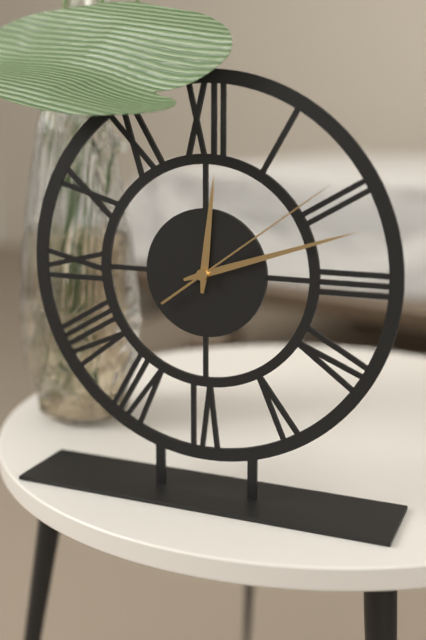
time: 12:12:09
